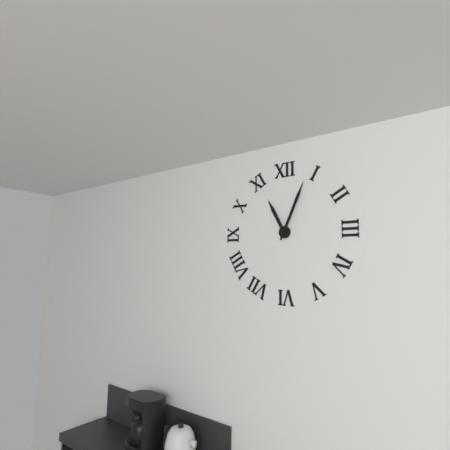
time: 11:04
